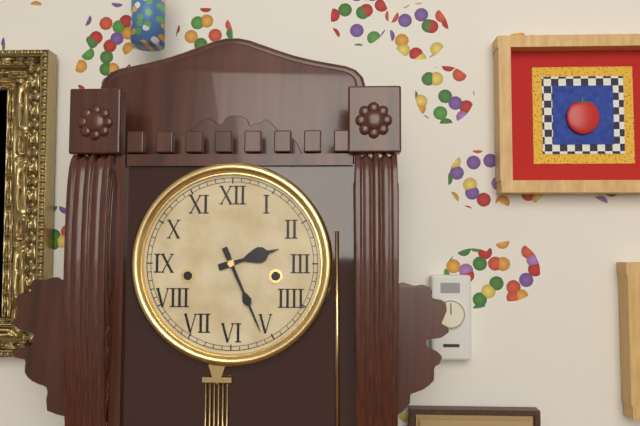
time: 2:26
